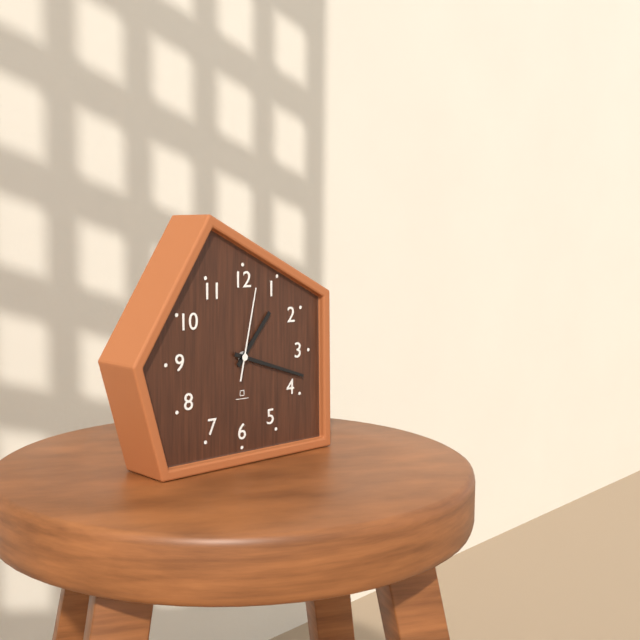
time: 1:18:02
